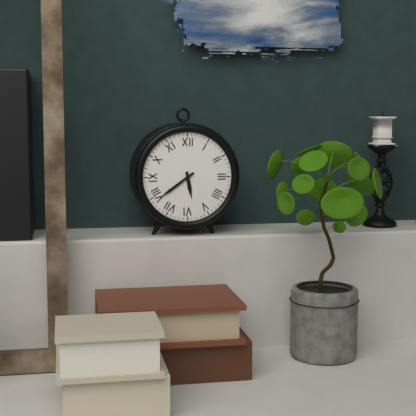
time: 5:39
